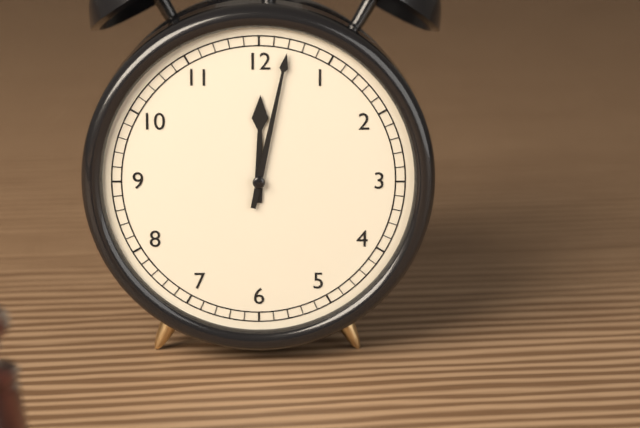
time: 12:02
